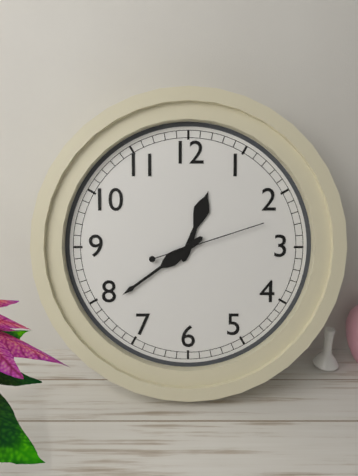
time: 12:39:12
